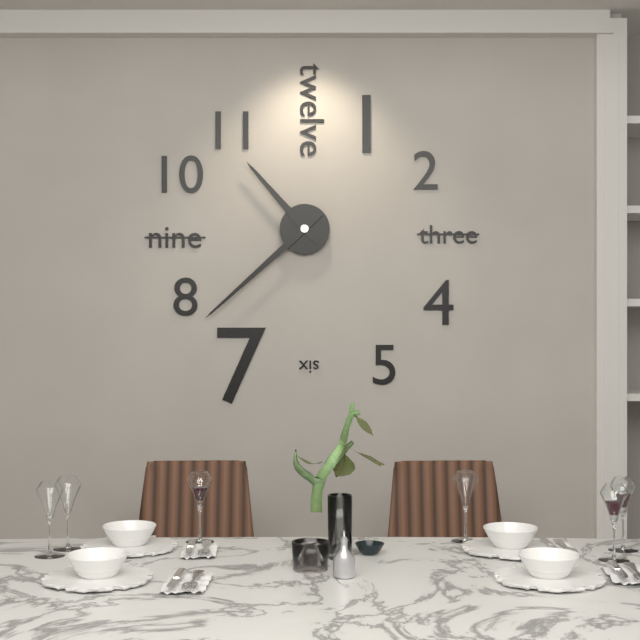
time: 10:38
